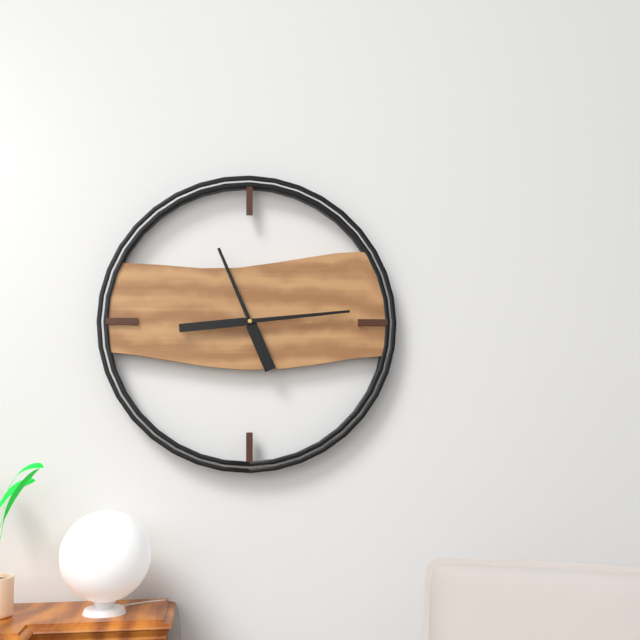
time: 11:14
